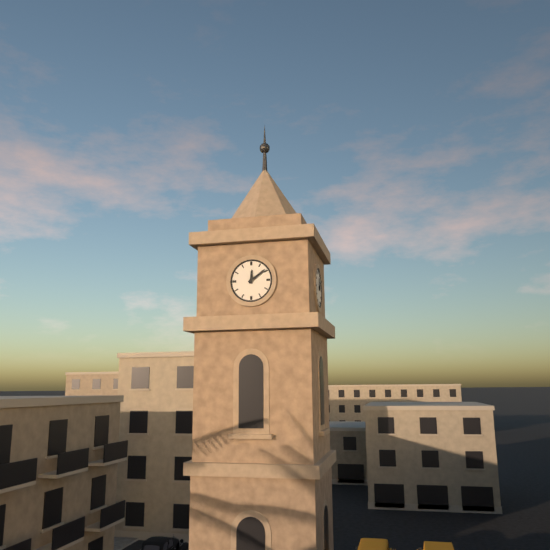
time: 12:09
